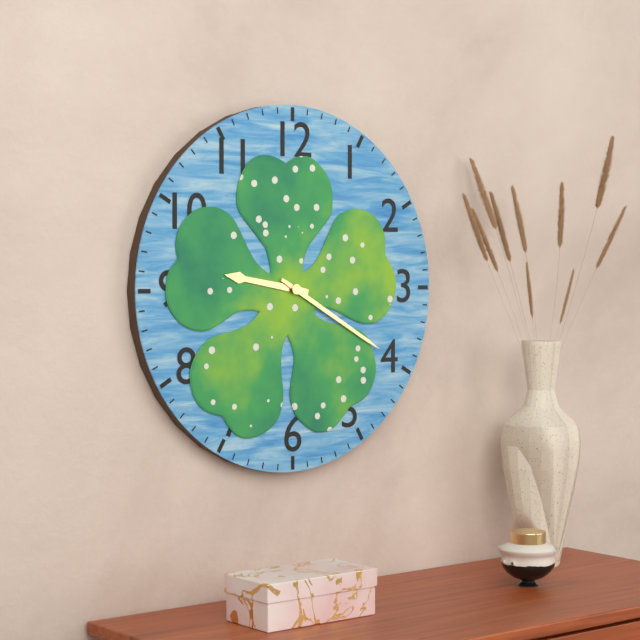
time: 9:20
